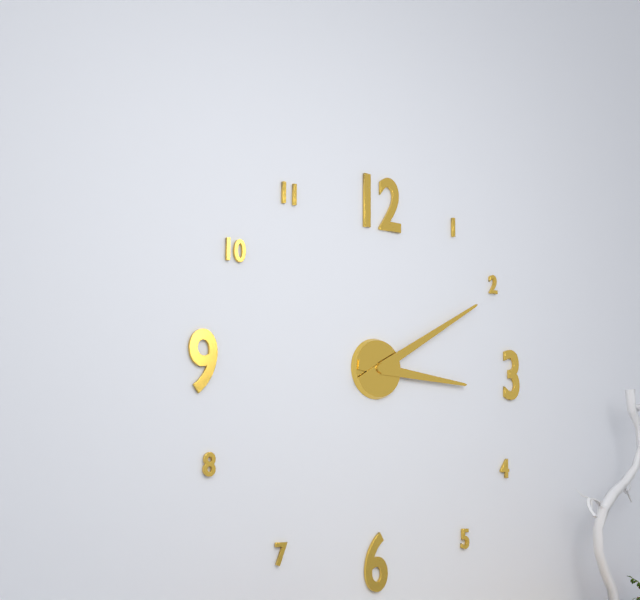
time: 3:10
